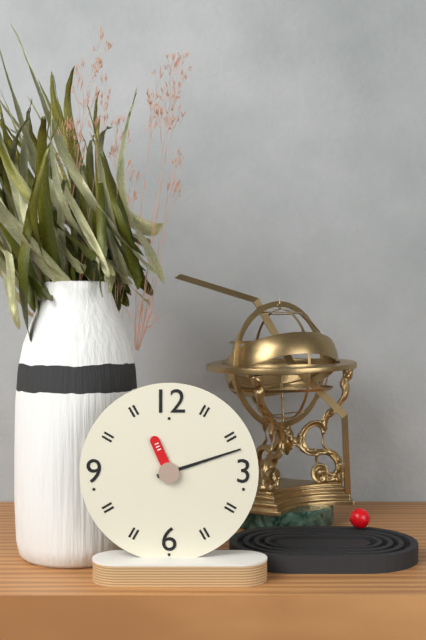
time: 11:12
